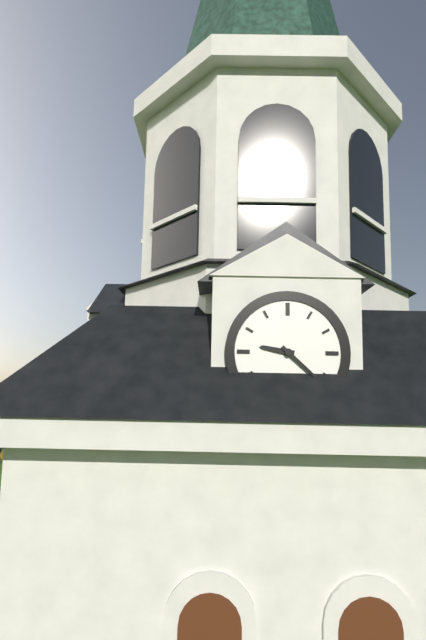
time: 9:22
